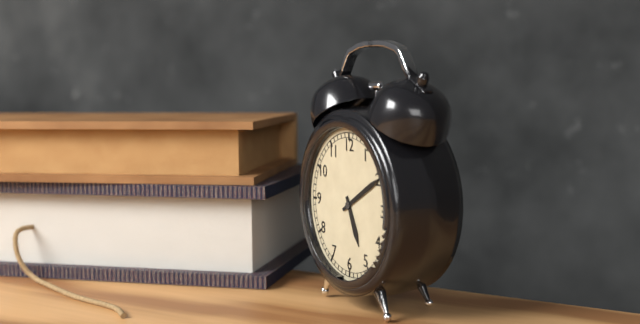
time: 5:10
